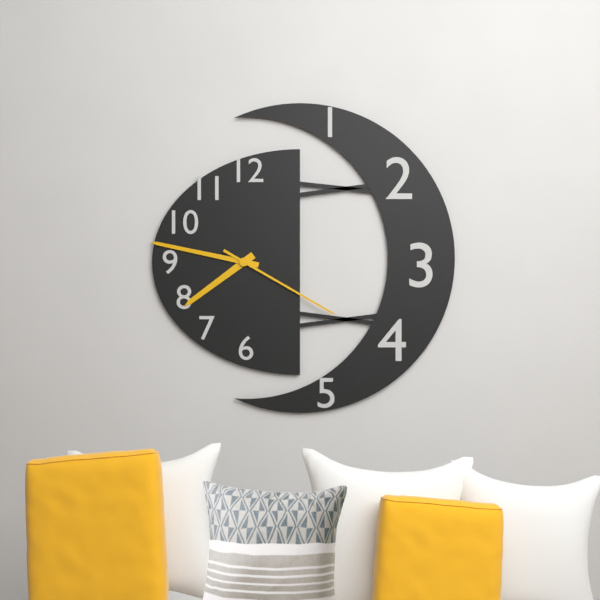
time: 7:47:20
